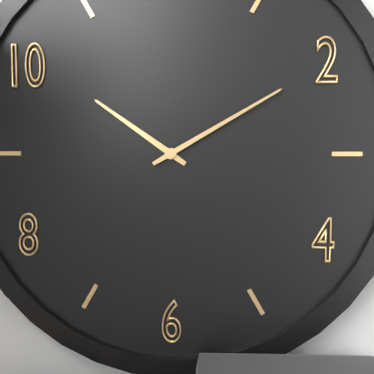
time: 10:10
